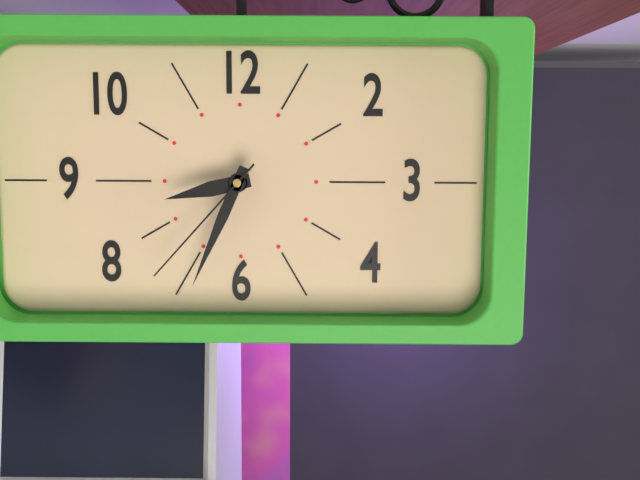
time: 8:34:37
